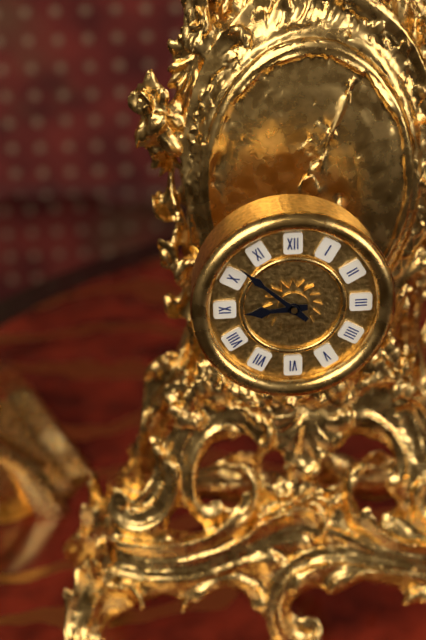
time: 8:52
